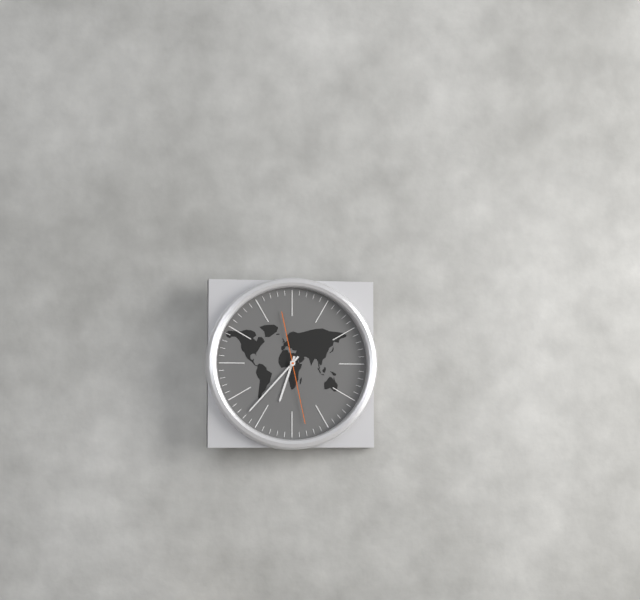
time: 6:37:28
